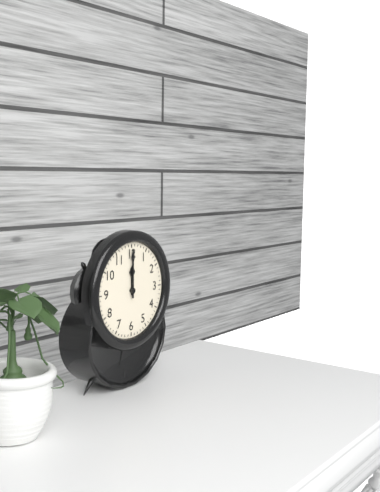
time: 12:00
